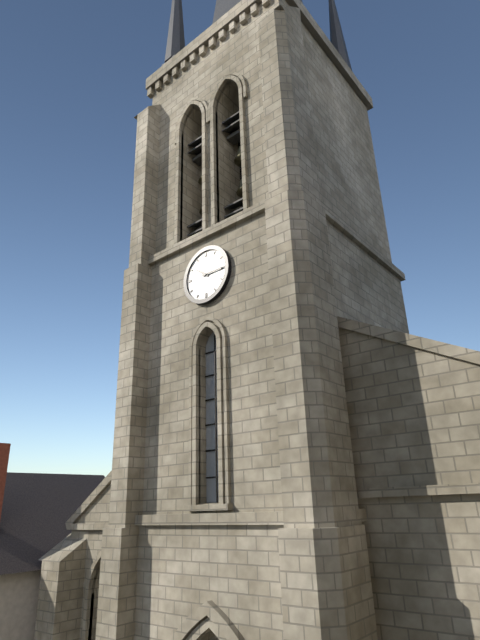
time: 10:15
